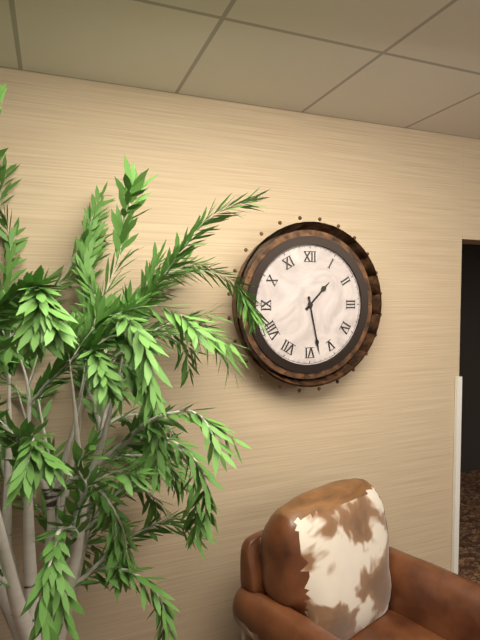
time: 1:28
